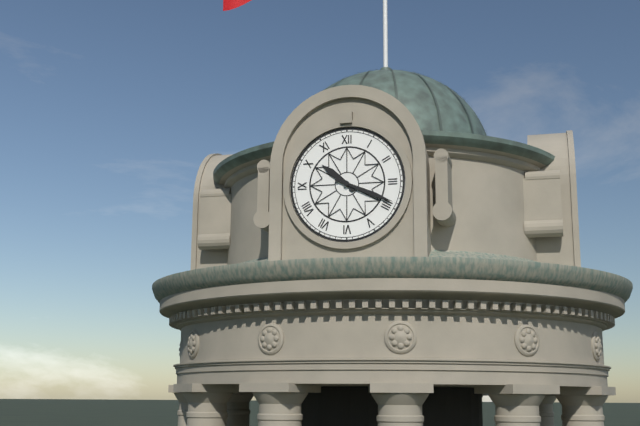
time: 10:19
